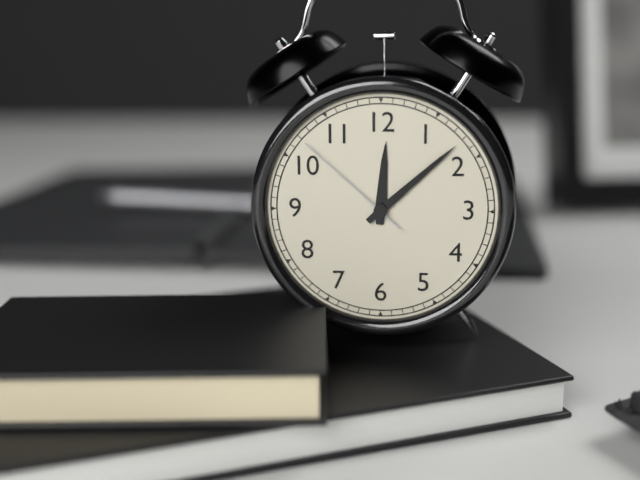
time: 12:08:52
